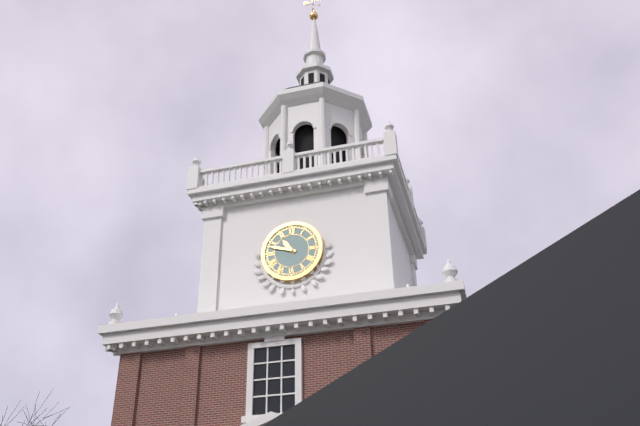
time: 10:48
